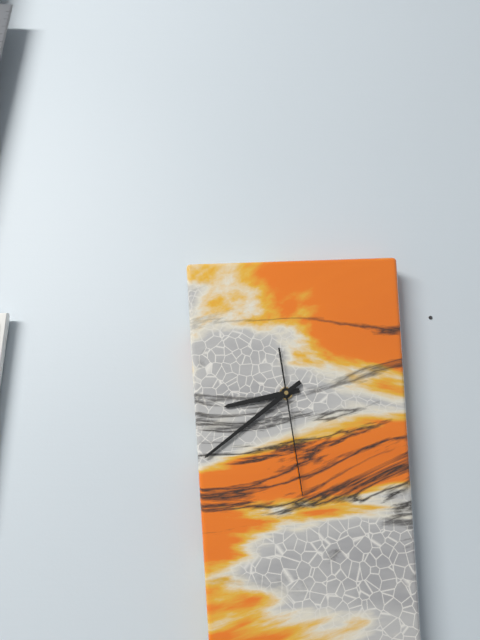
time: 8:39:29
